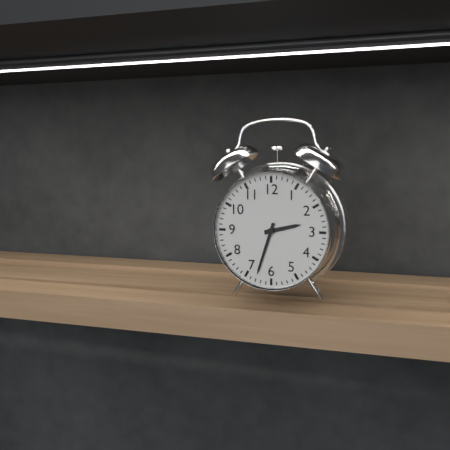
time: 2:33
